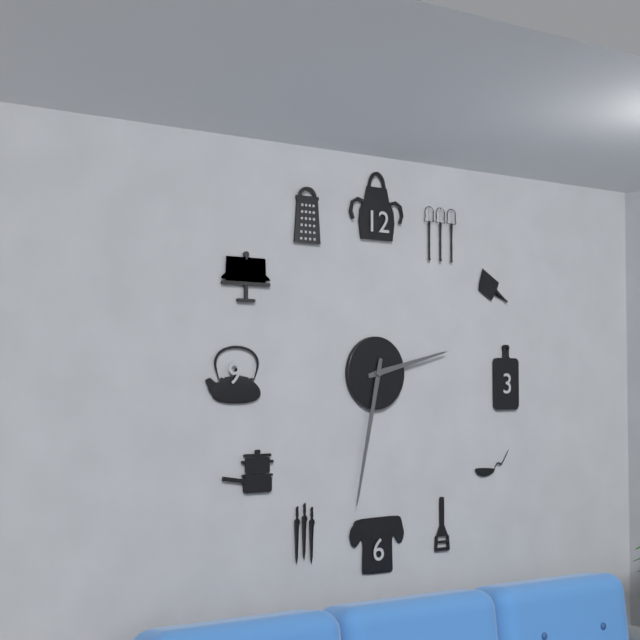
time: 2:32
